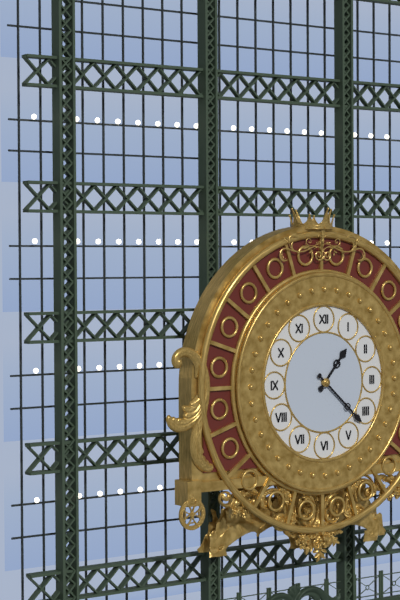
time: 1:22
